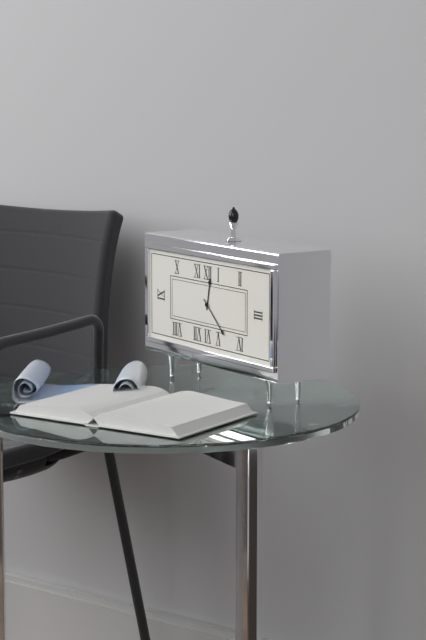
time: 12:22
